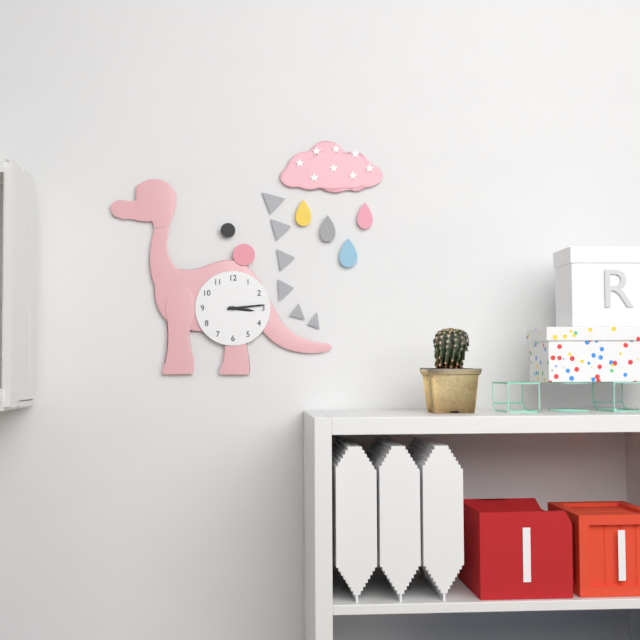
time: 3:14
